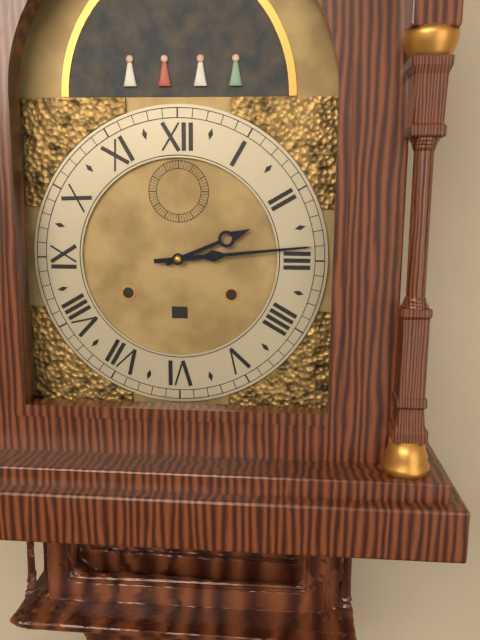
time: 2:14
